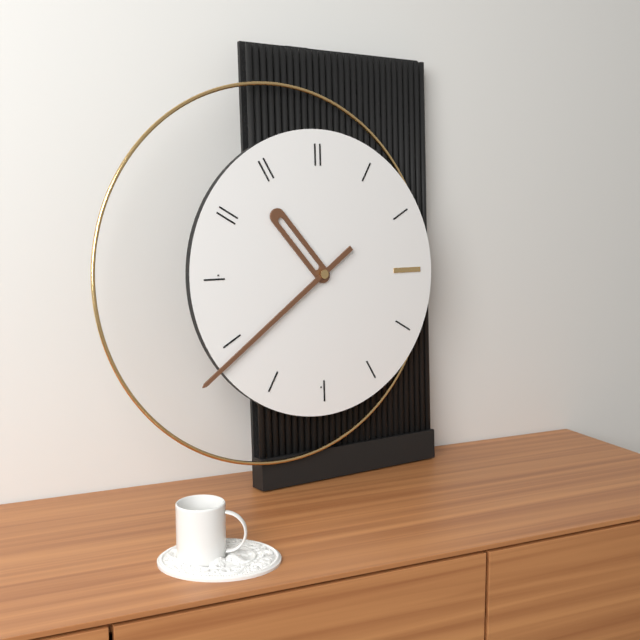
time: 10:39
